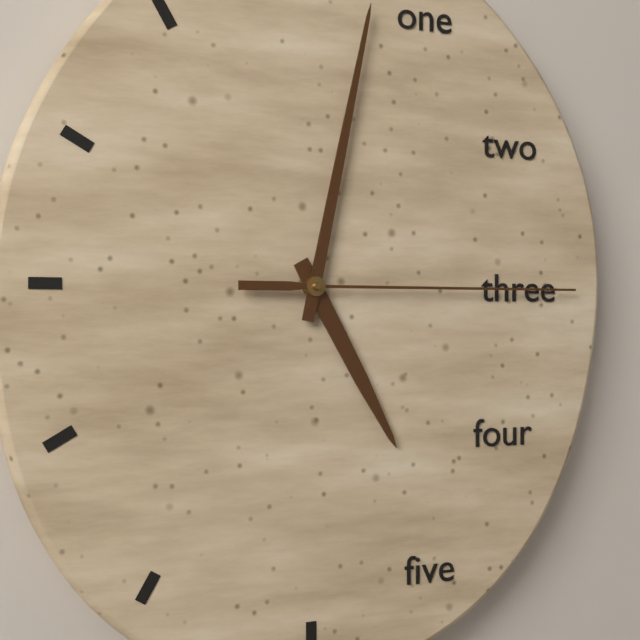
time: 5:02:15
